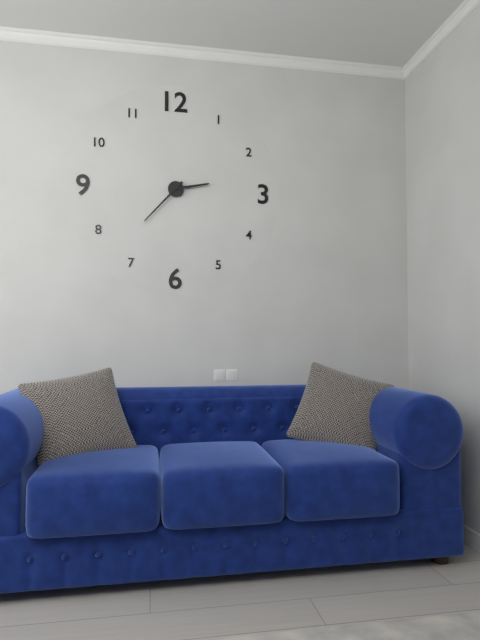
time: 2:37
